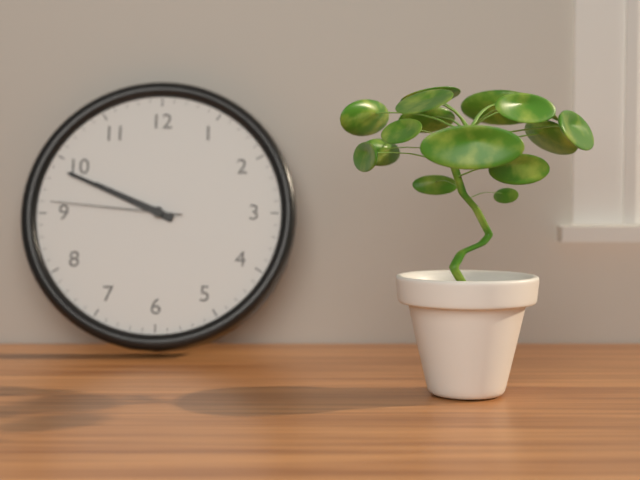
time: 9:49:46
